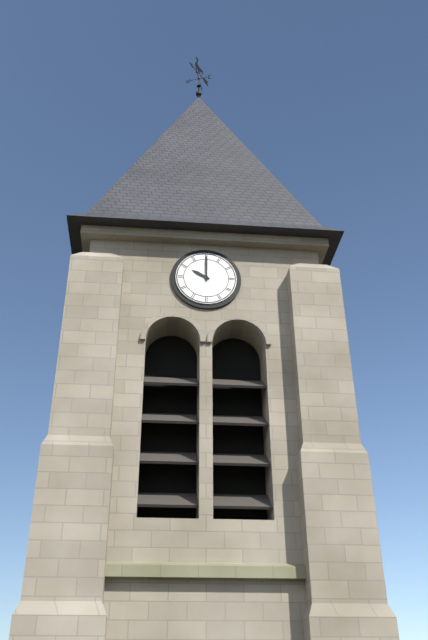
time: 10:00
